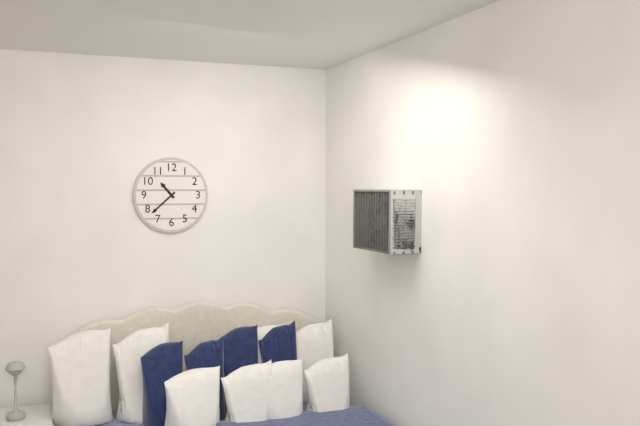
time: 10:38
